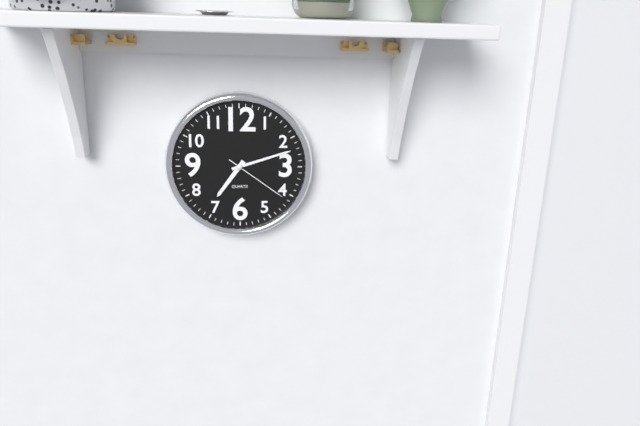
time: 7:12:21
